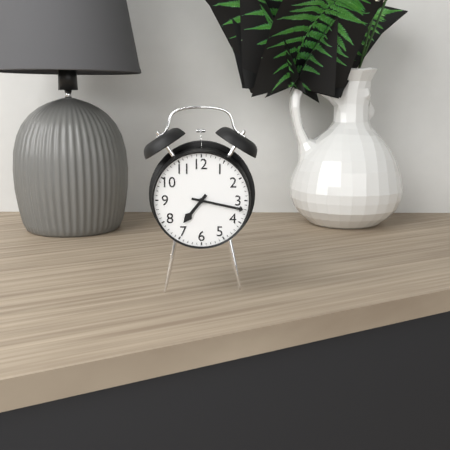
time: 7:17
